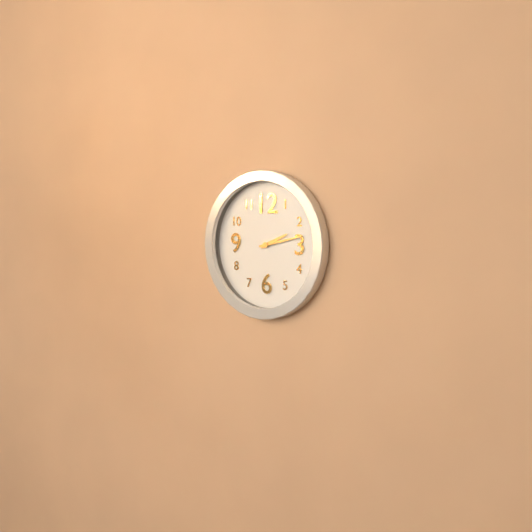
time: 2:13
